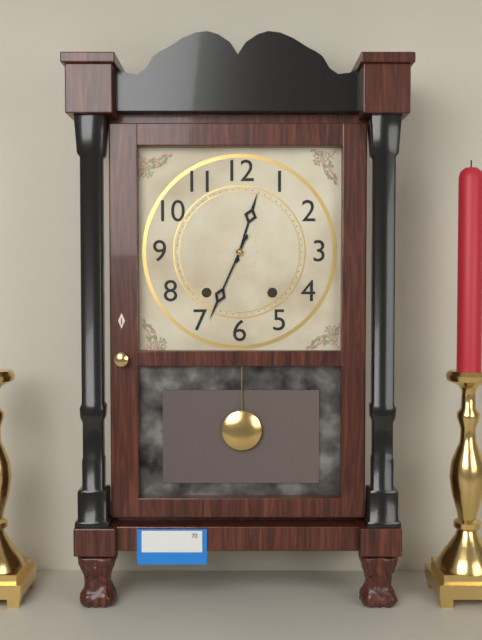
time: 12:34
